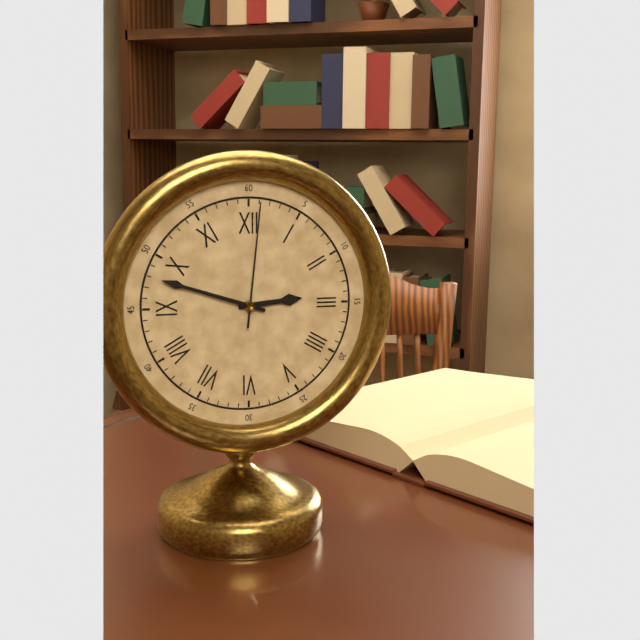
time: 2:48:01
